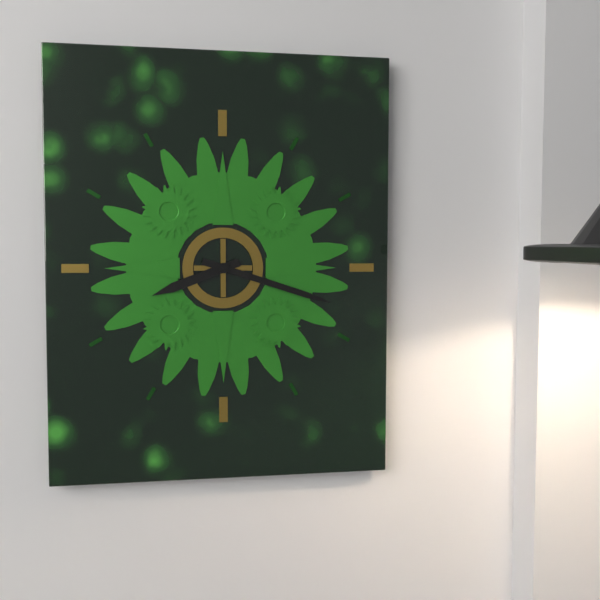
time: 8:18
